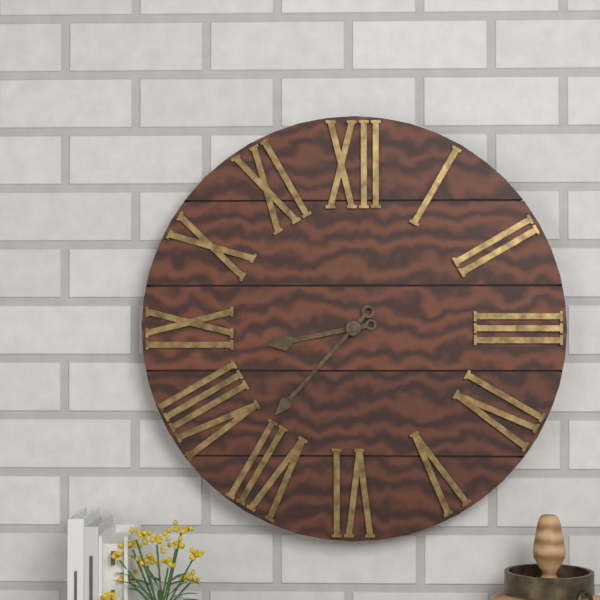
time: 8:37
